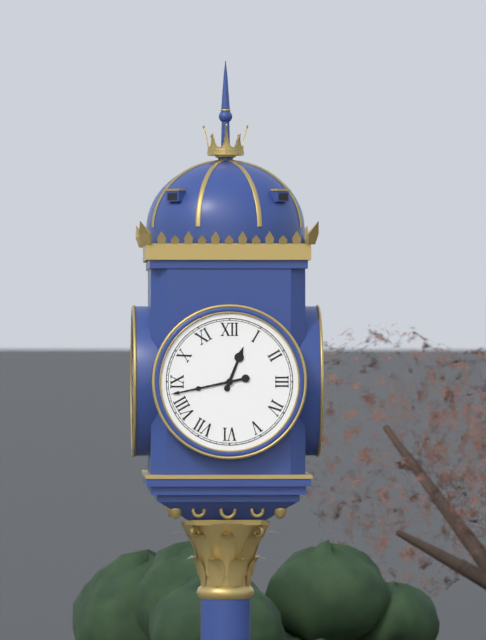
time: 12:43
